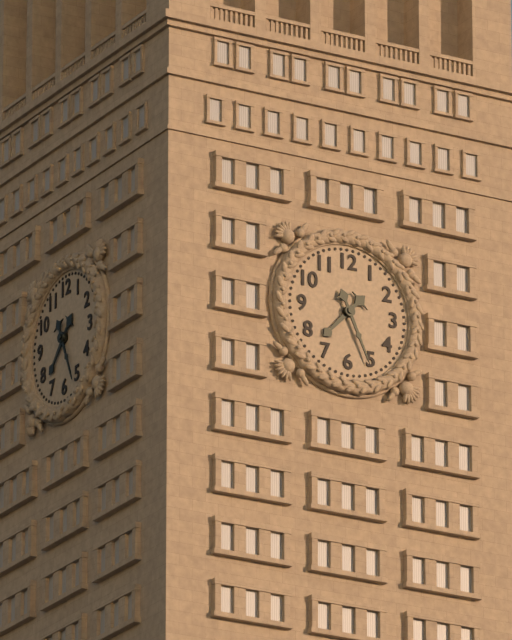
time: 7:26
